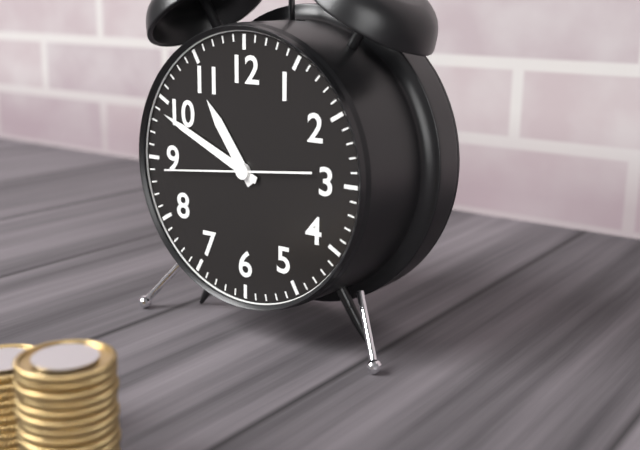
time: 10:49:44
